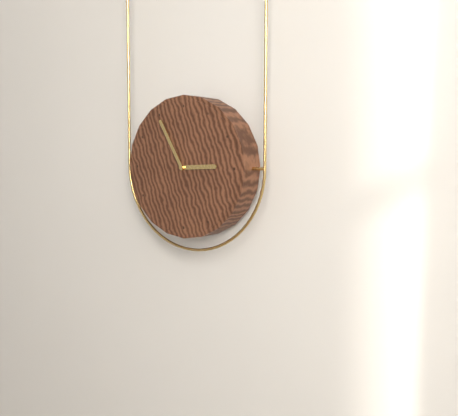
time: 2:55
